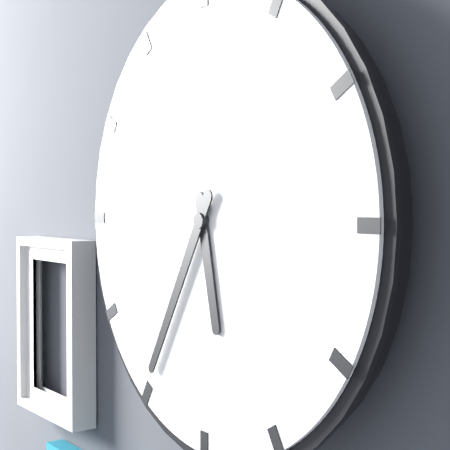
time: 5:35
